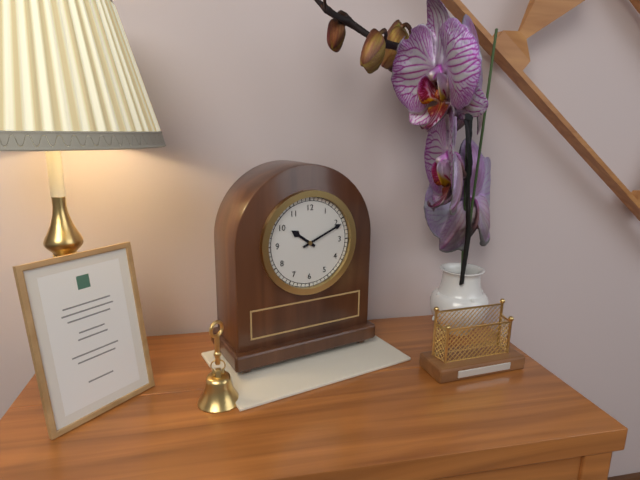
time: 10:11
